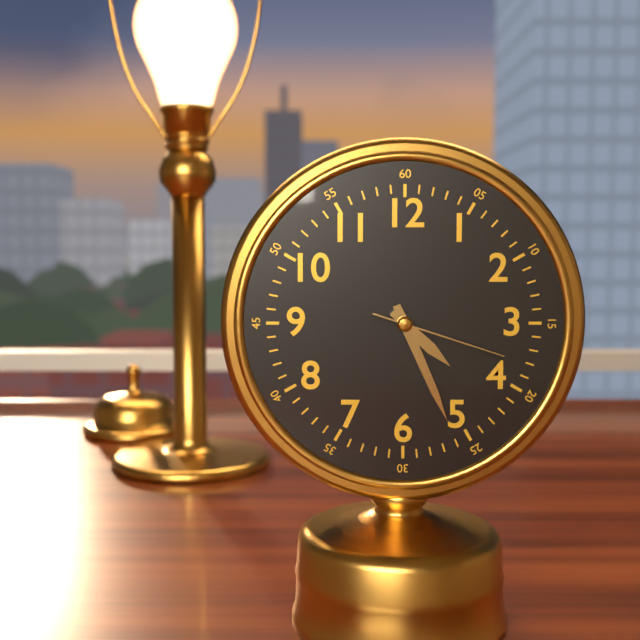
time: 4:26:18
